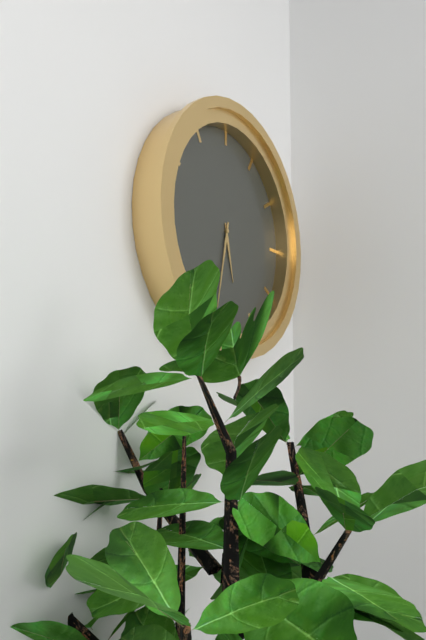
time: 5:32
